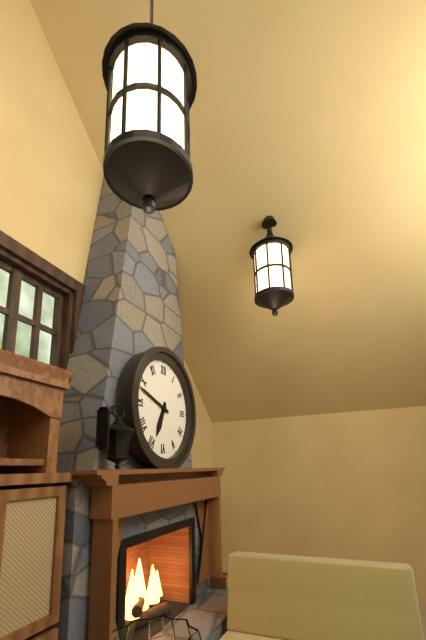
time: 6:48
